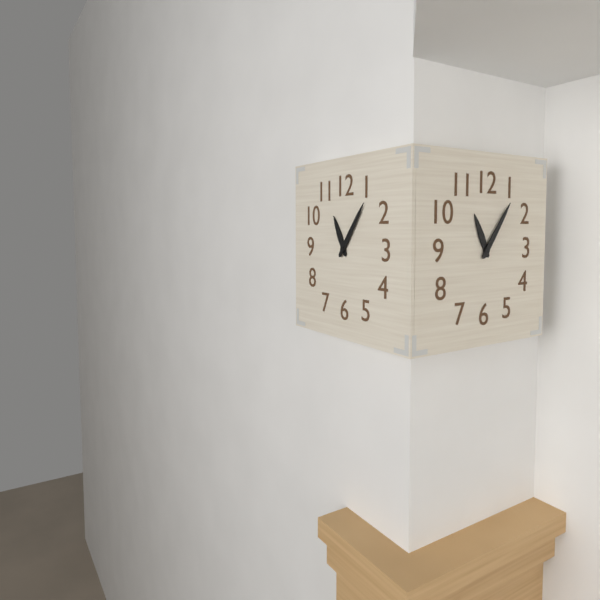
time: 11:06
